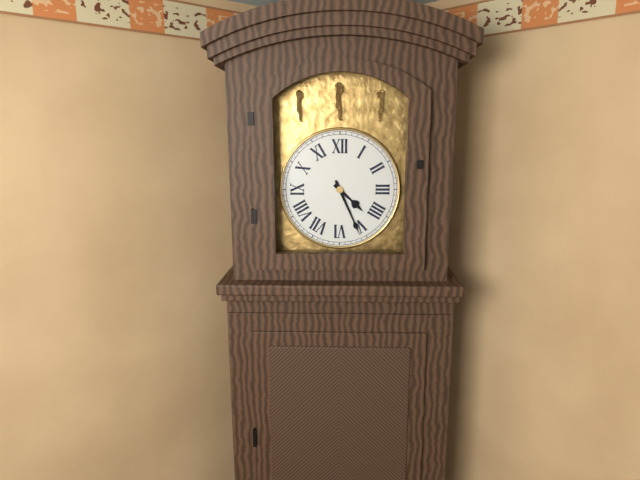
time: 4:26
